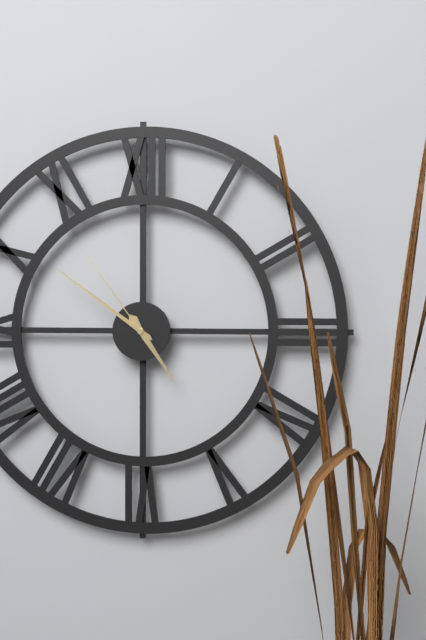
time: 4:51:54
